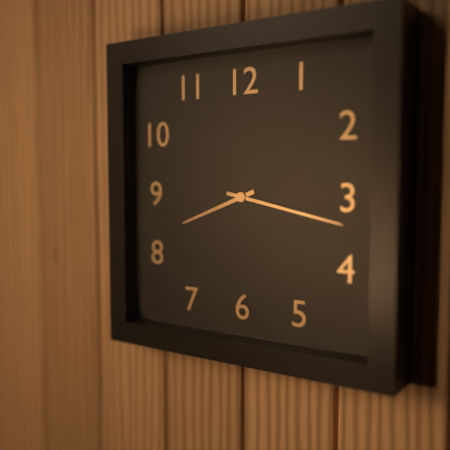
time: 8:17
